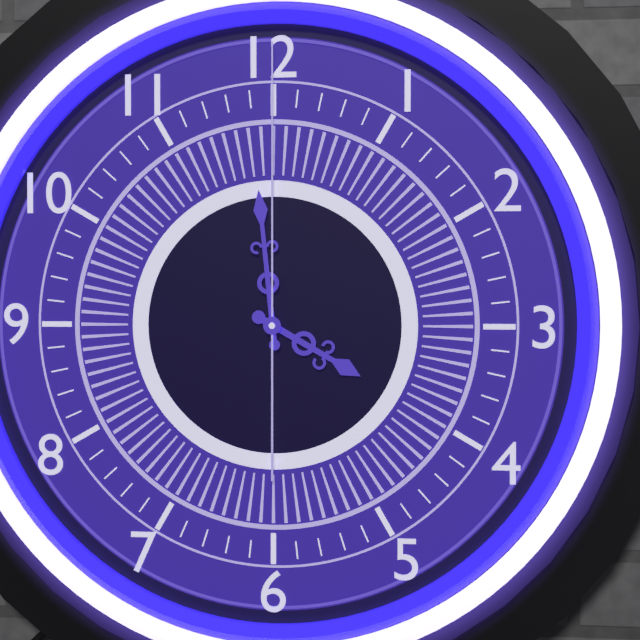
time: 3:59:00
